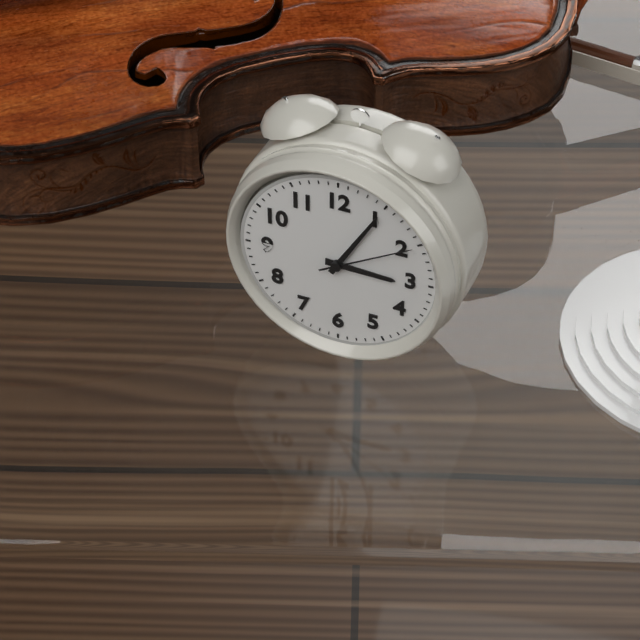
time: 3:05:10
